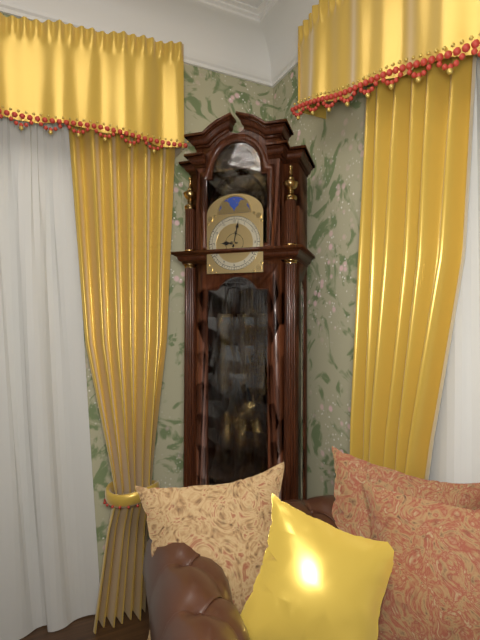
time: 9:02
